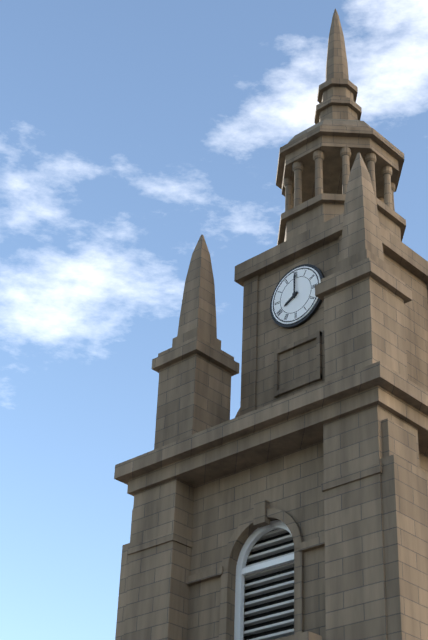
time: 8:00
